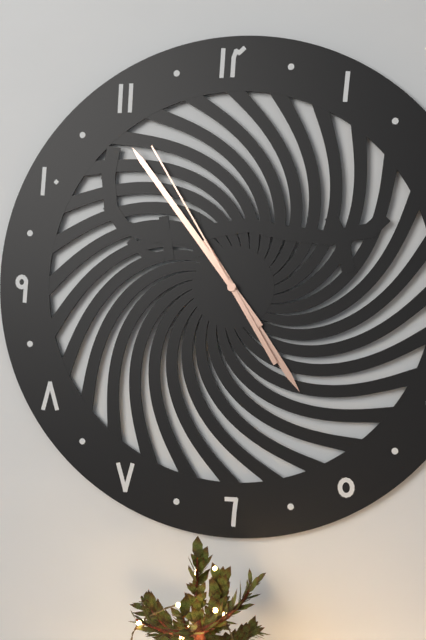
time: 4:54:55
